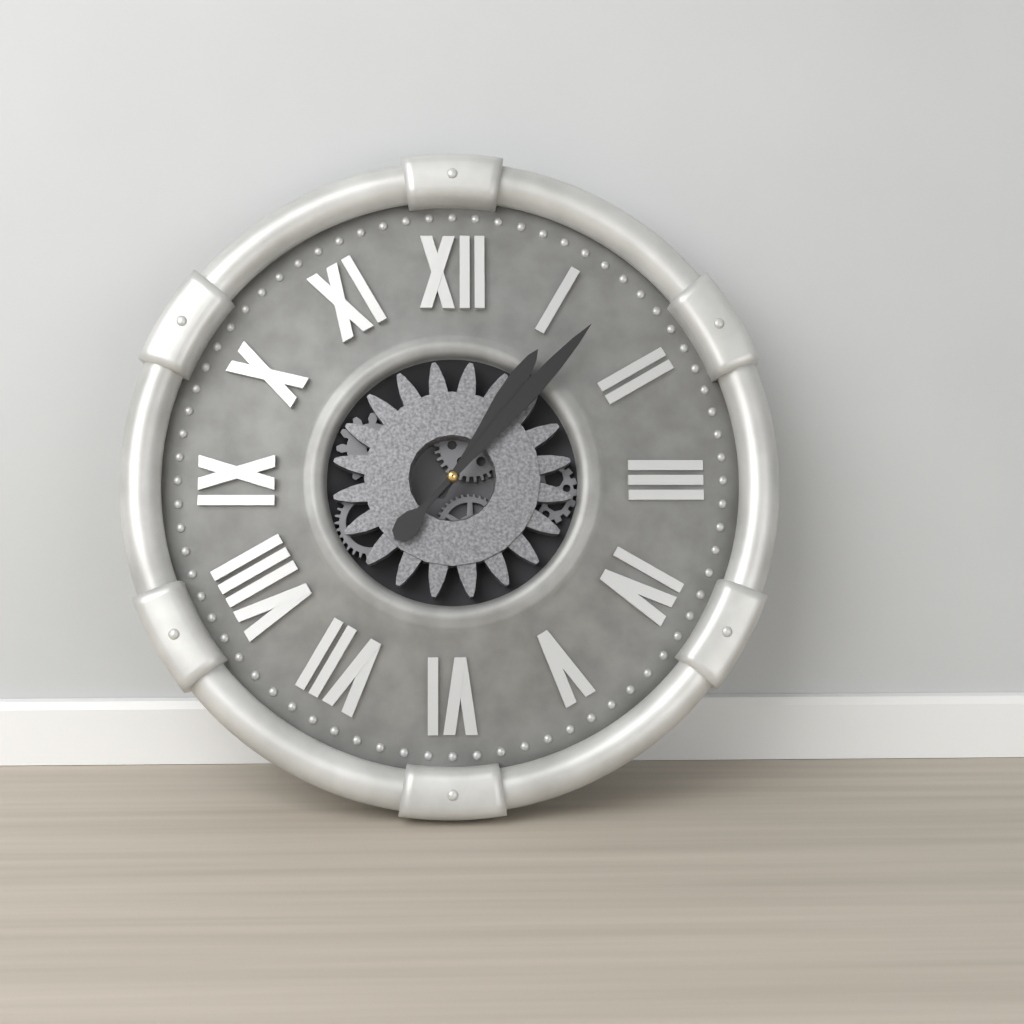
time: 1:07
